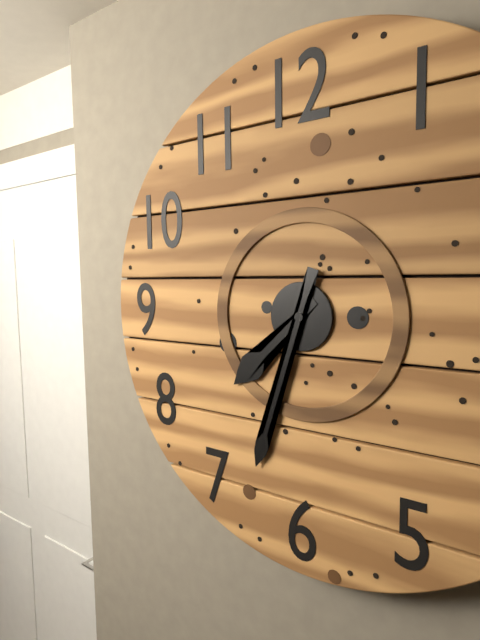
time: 7:33
